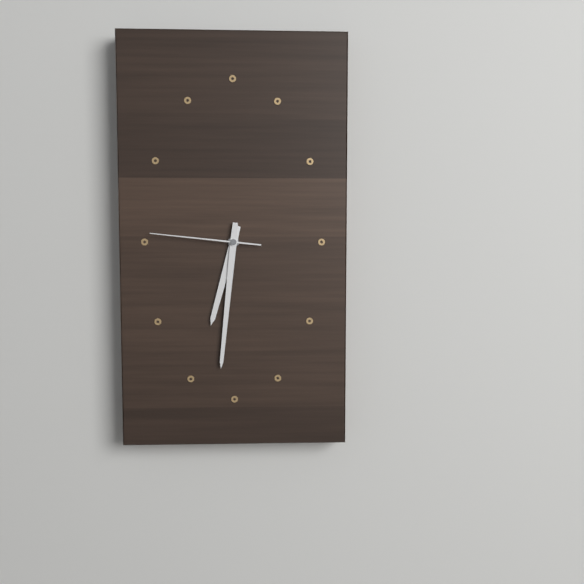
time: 6:31:46
